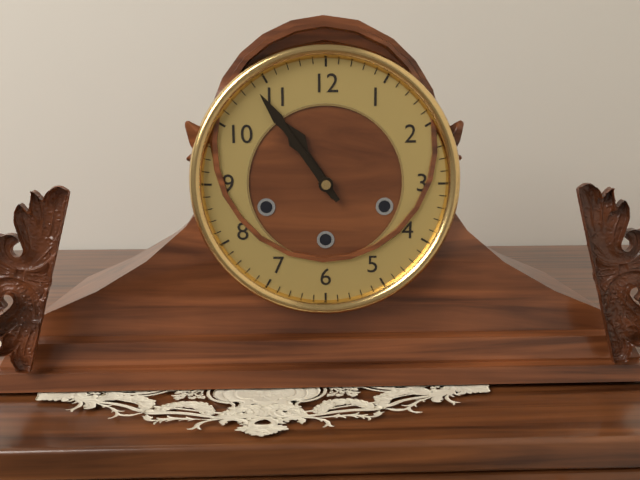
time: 10:54
